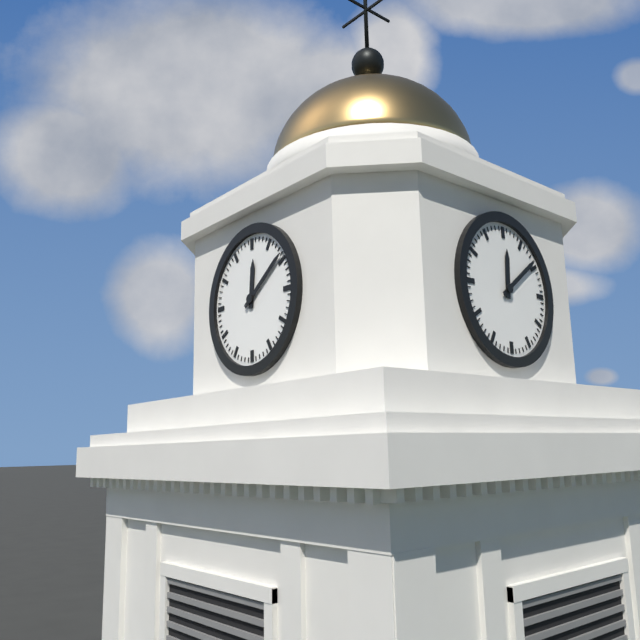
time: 12:09
